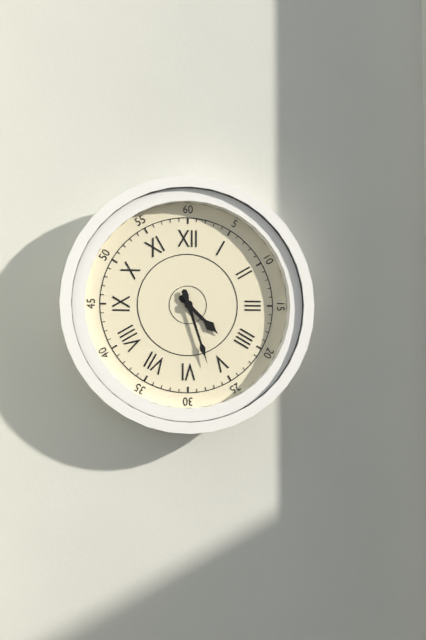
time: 4:27
